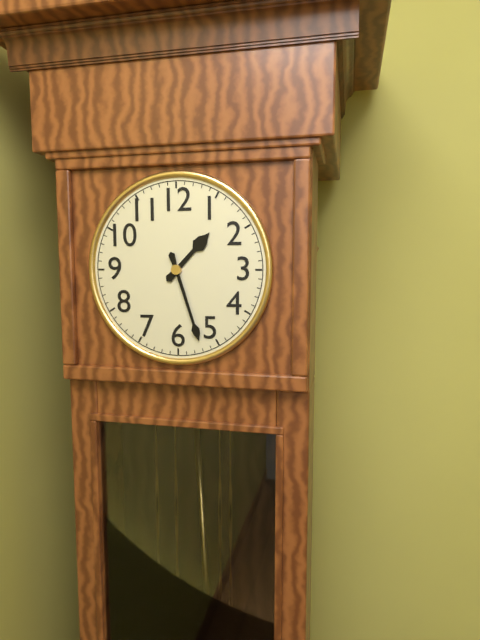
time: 1:27
